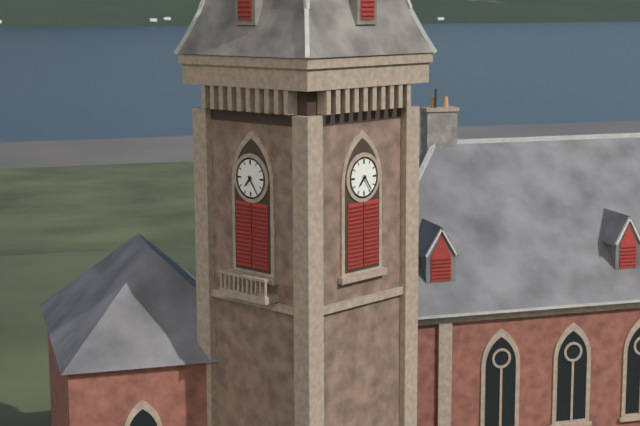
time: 7:24
